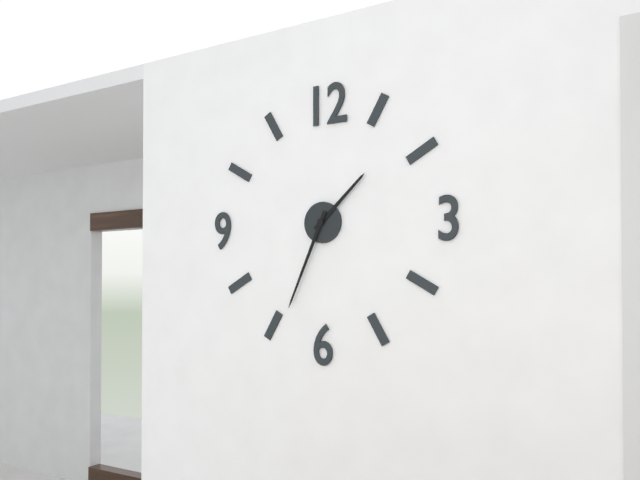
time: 1:34
